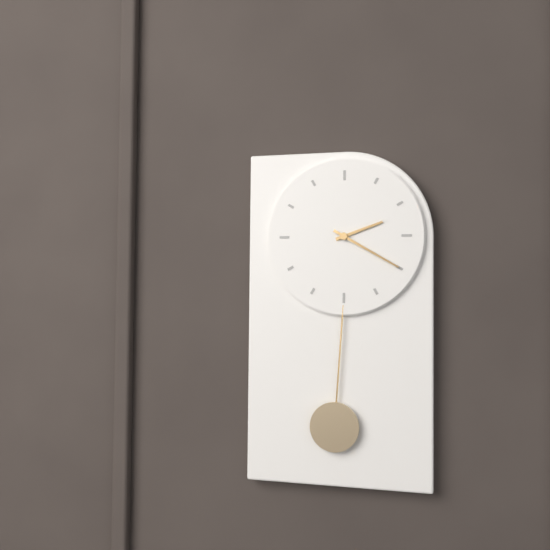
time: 2:20
